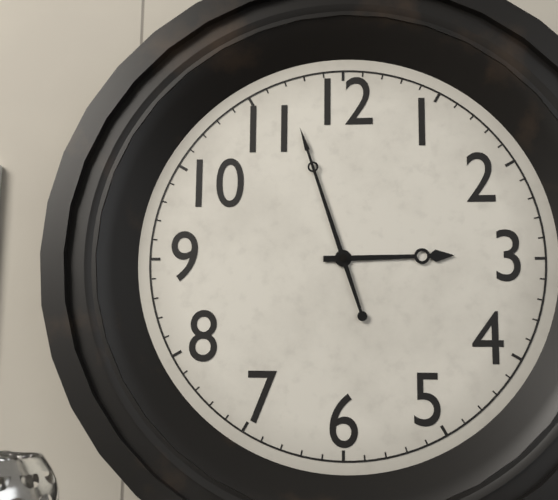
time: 2:57
